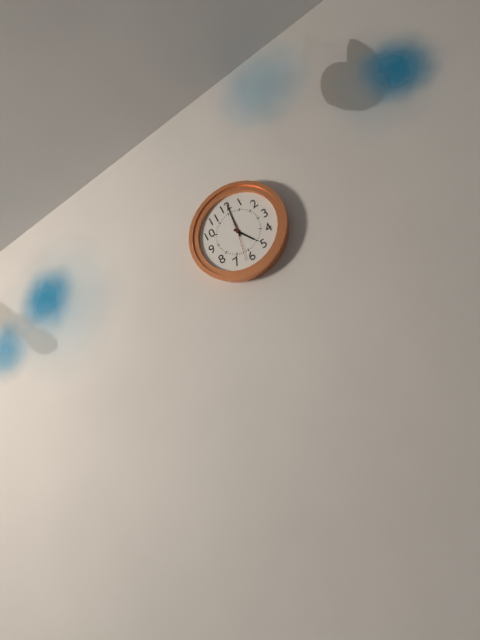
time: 5:01
